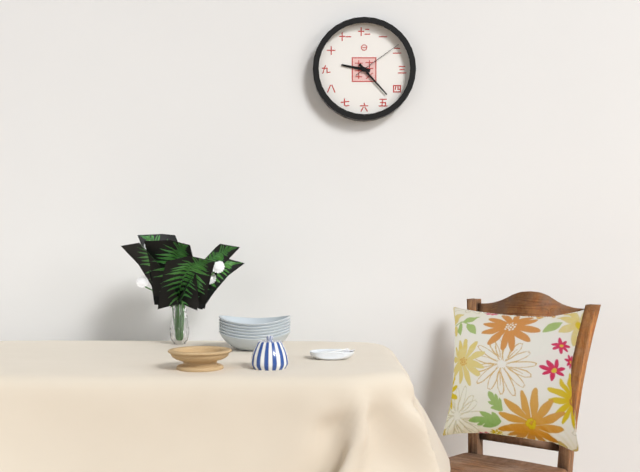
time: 9:23:09
